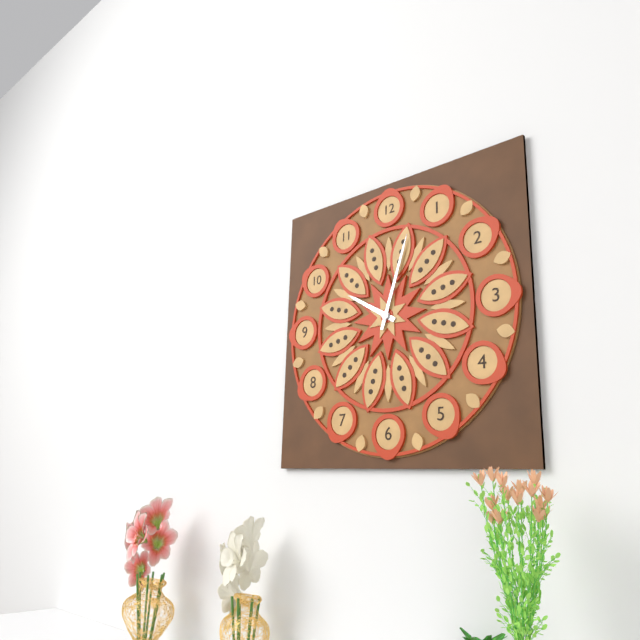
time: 10:03
